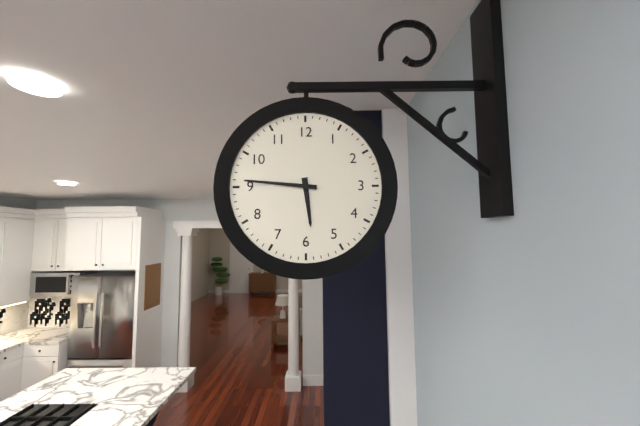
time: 5:46
